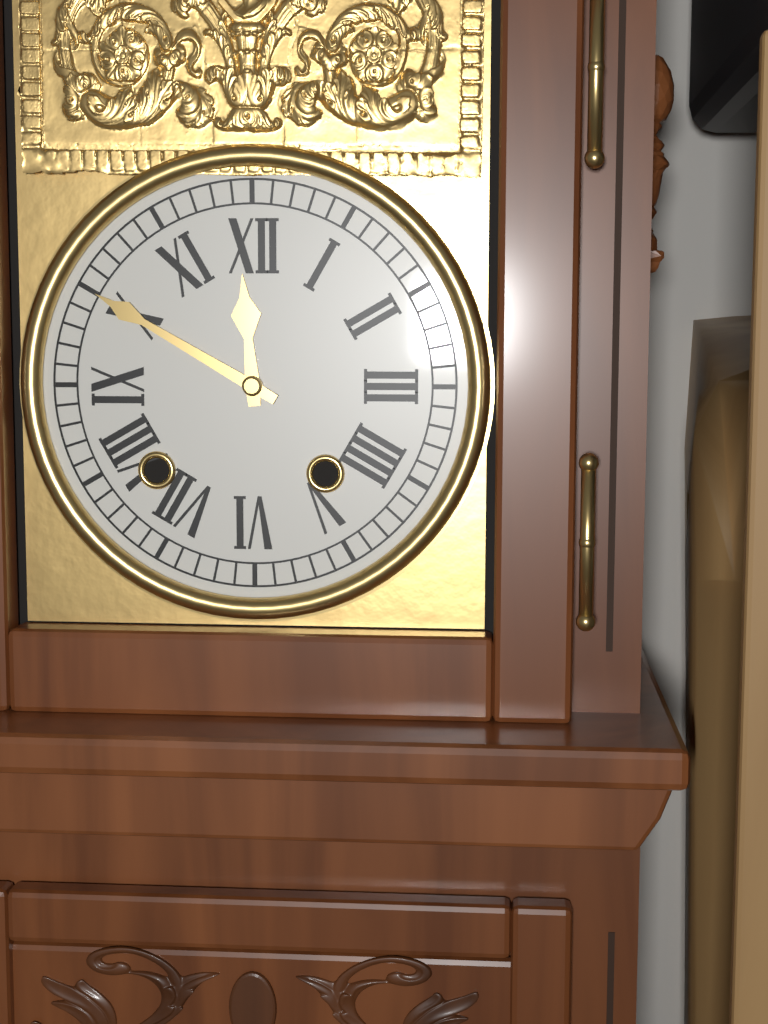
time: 11:50
